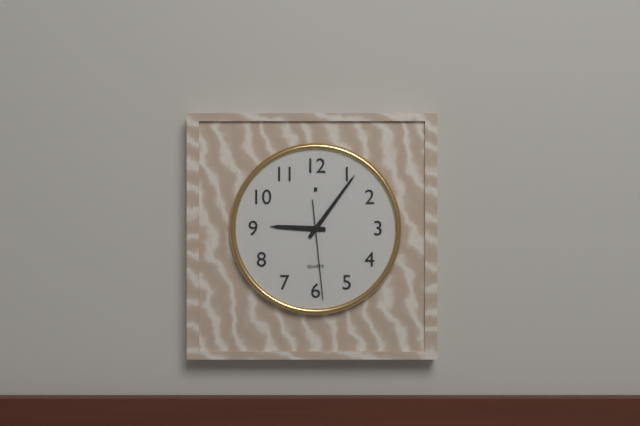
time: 9:06:29
